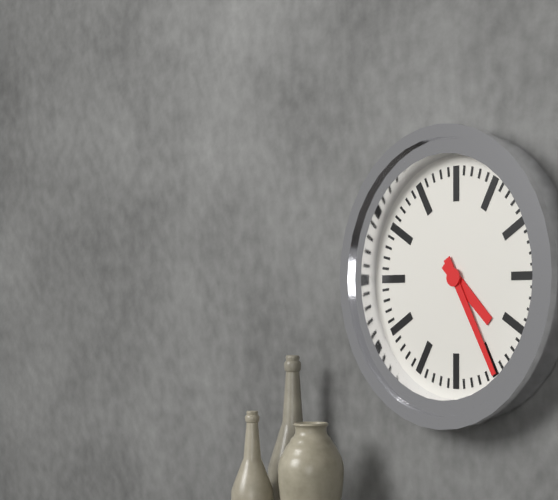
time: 4:25
